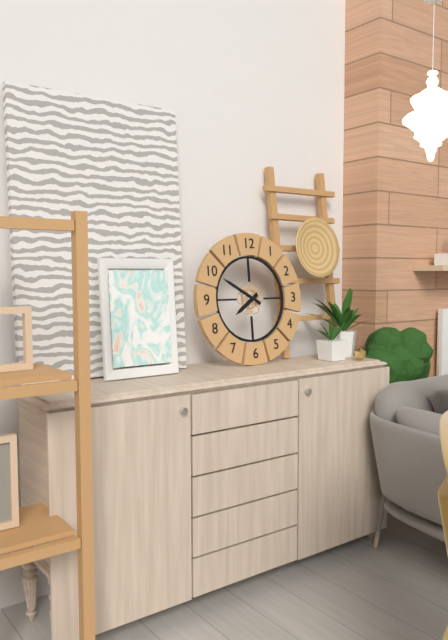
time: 7:50
